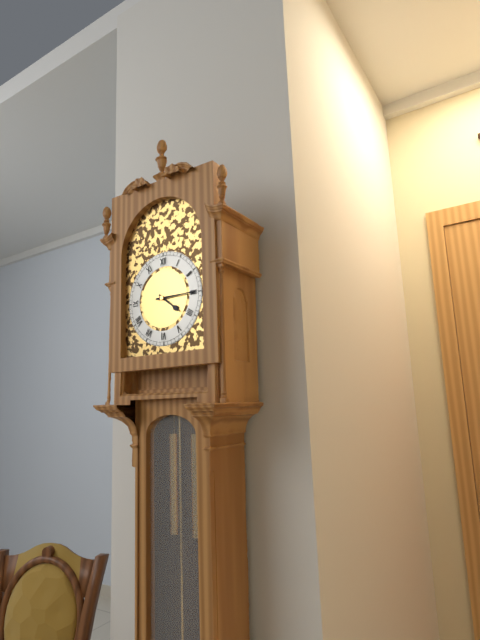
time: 4:15
